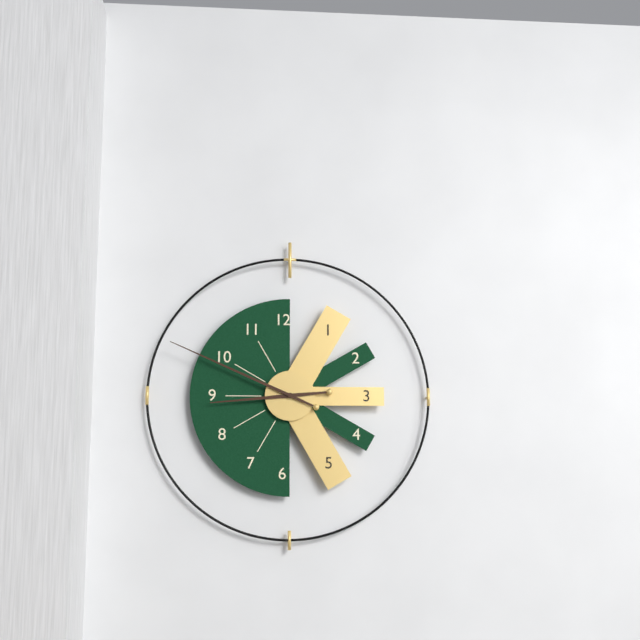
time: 8:49
